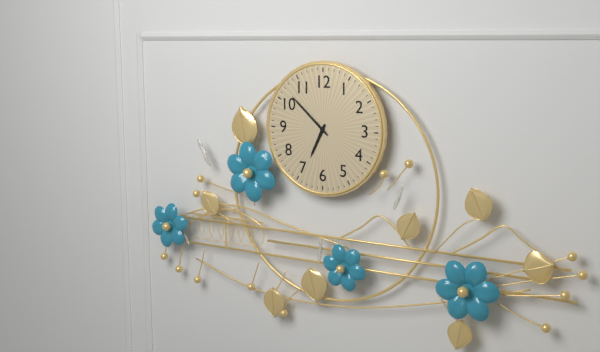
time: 6:52
